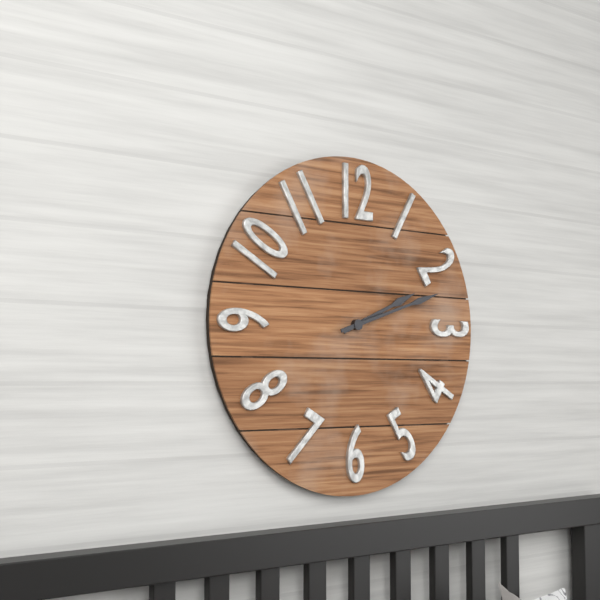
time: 2:12
